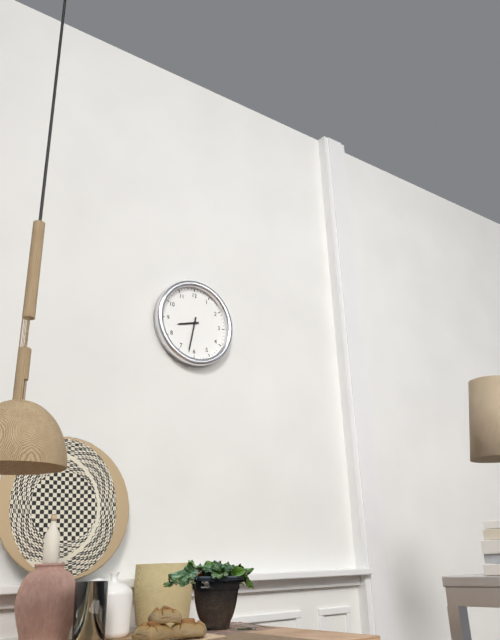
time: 8:32
